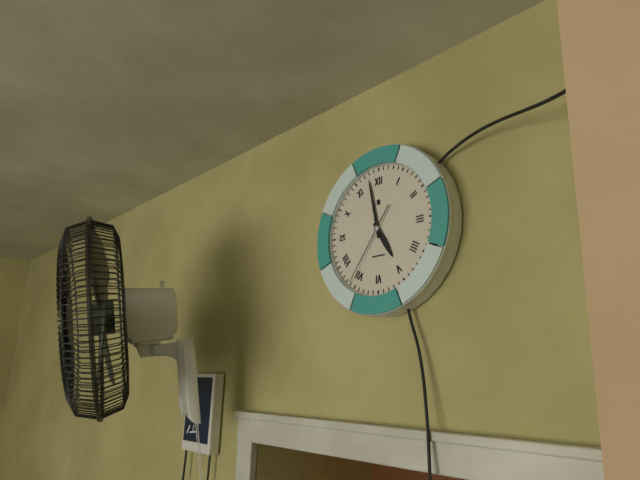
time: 4:58:36
